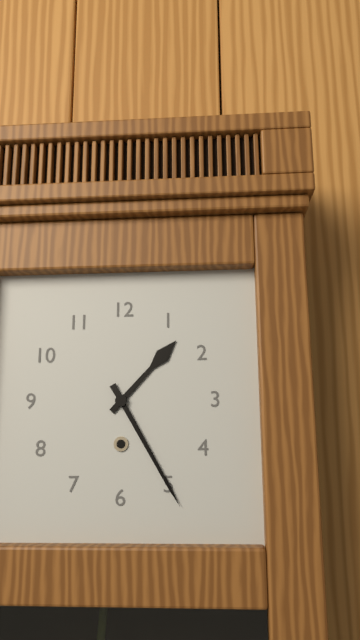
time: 1:25
